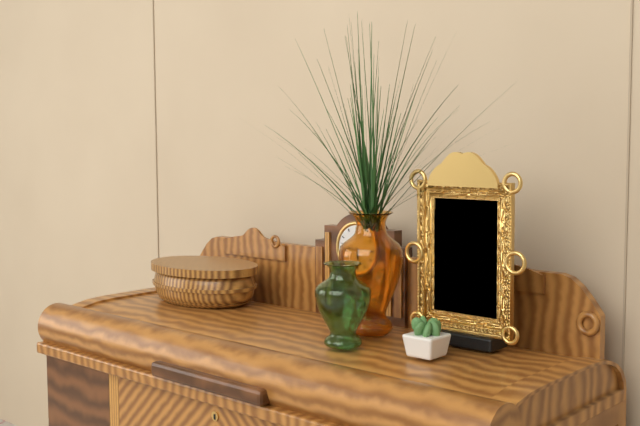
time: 5:47
